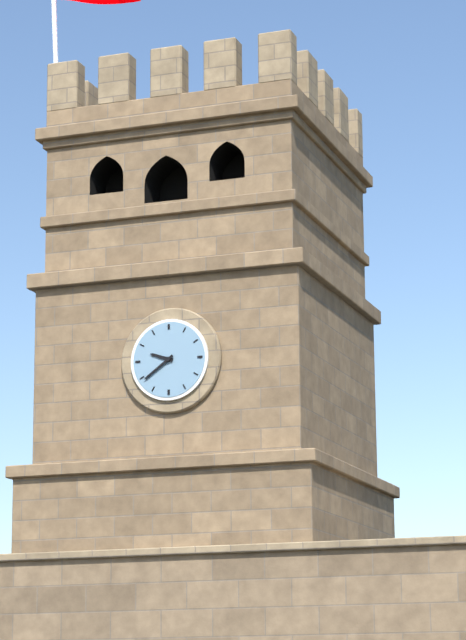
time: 9:39
